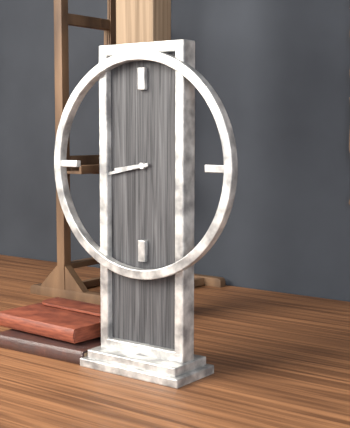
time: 8:43
